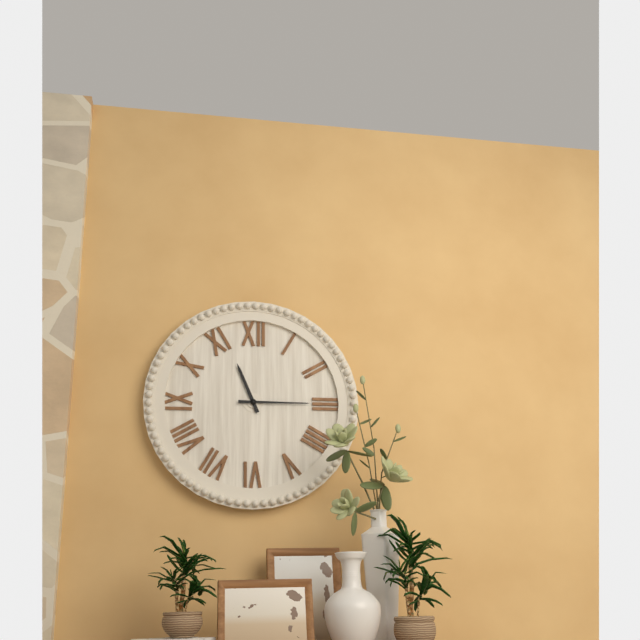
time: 11:15
